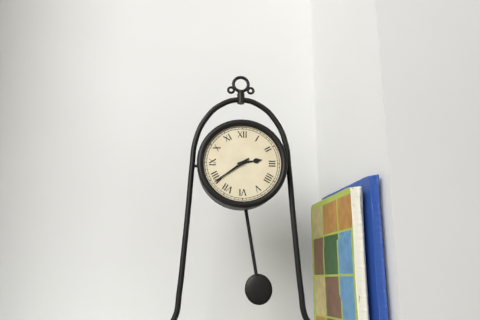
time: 2:39
